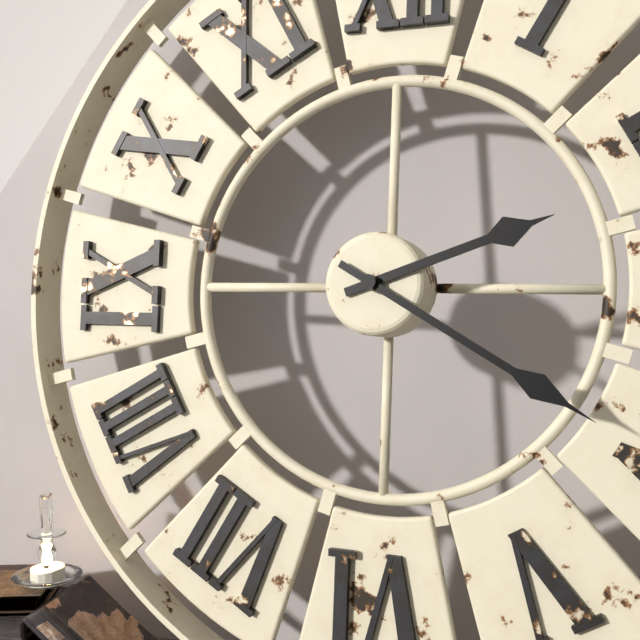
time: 2:20
